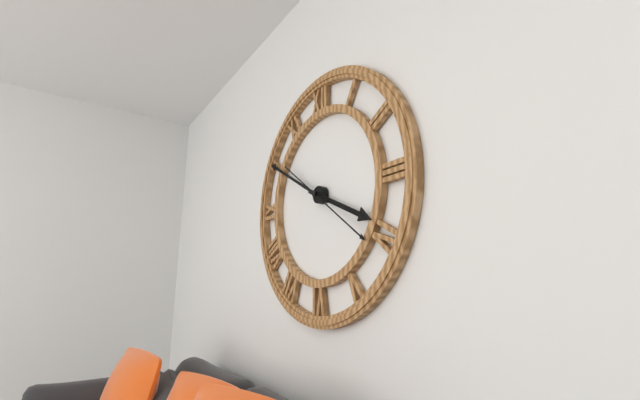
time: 3:50:21
